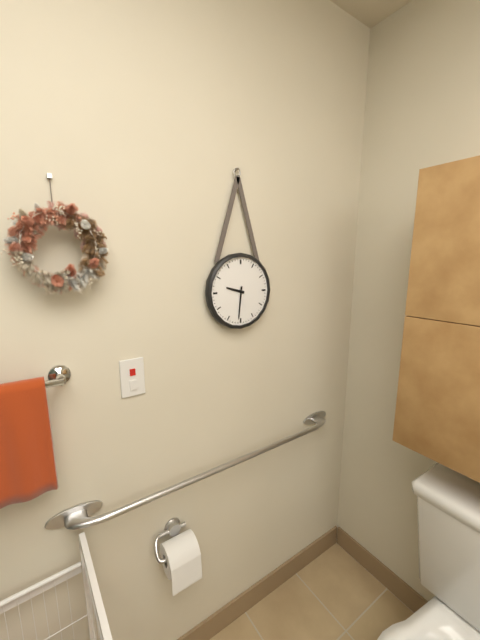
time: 9:31
